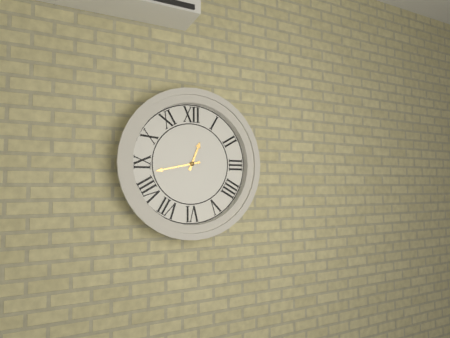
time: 12:43
